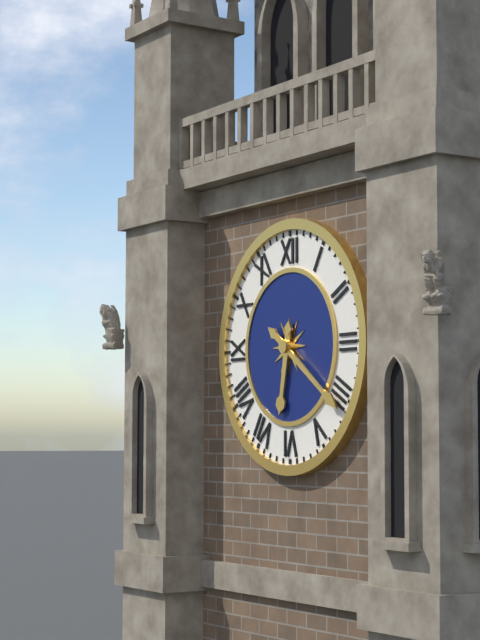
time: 6:21
